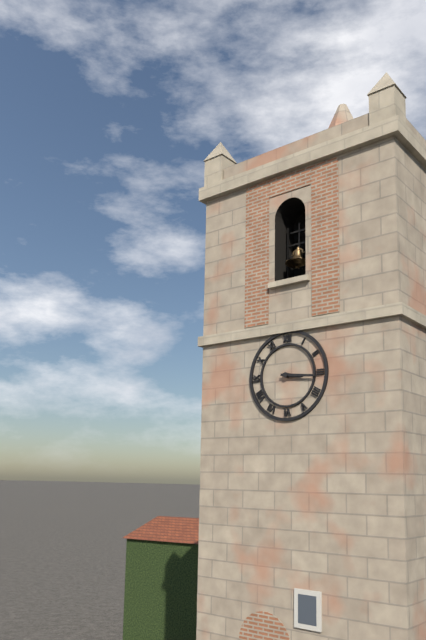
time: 3:16
